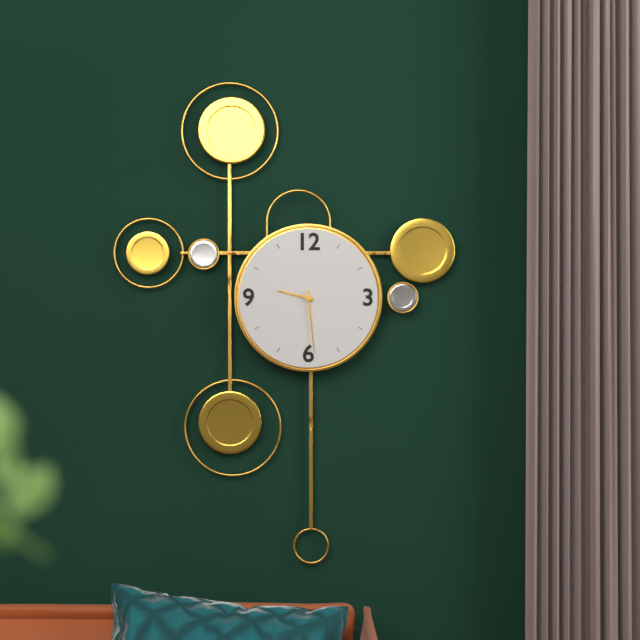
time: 9:29
